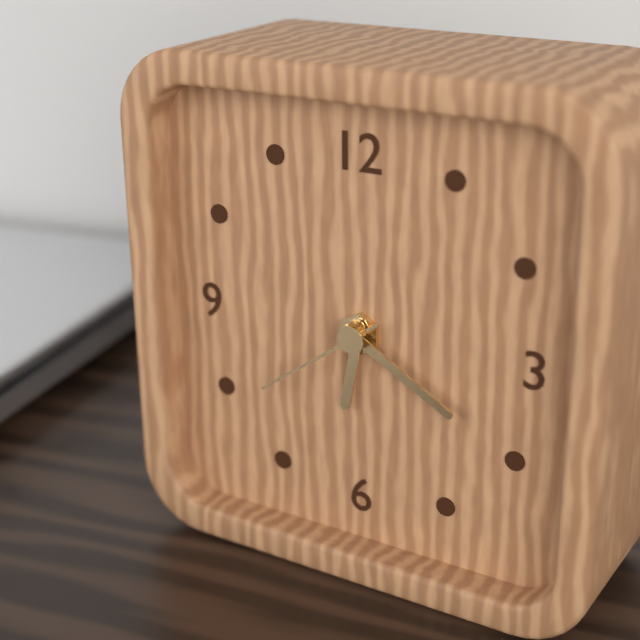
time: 6:20:39
